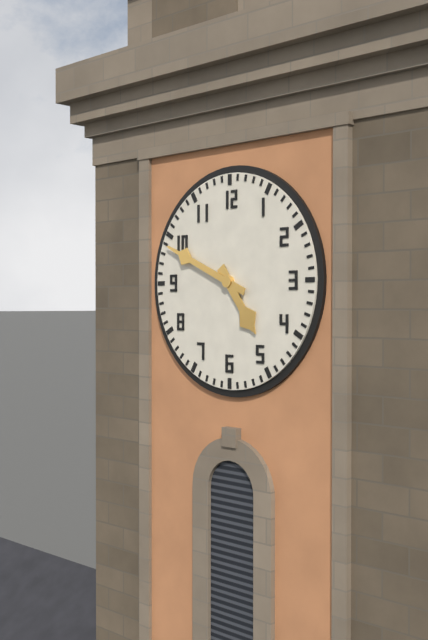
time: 4:49
